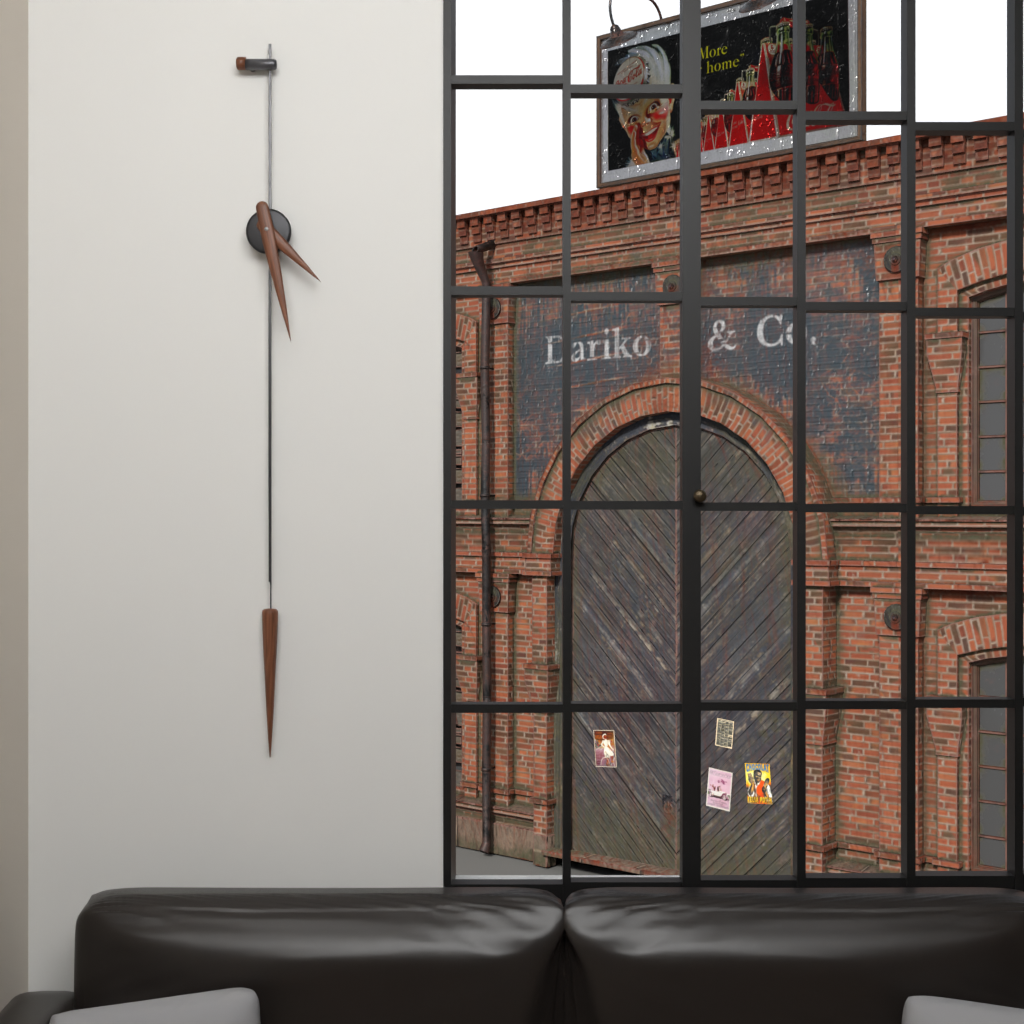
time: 4:28
